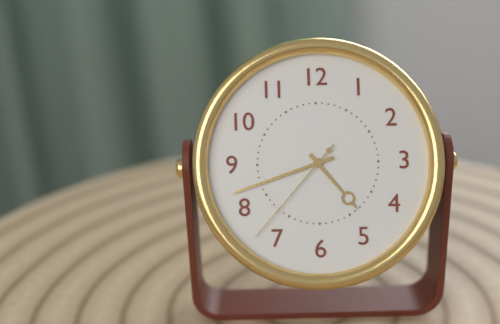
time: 4:42:37
